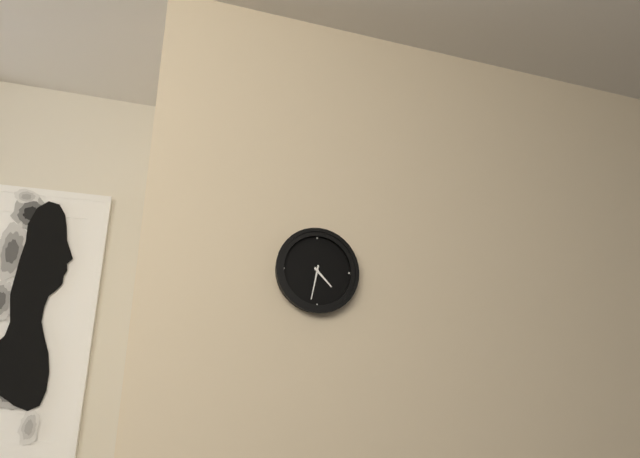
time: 4:32
